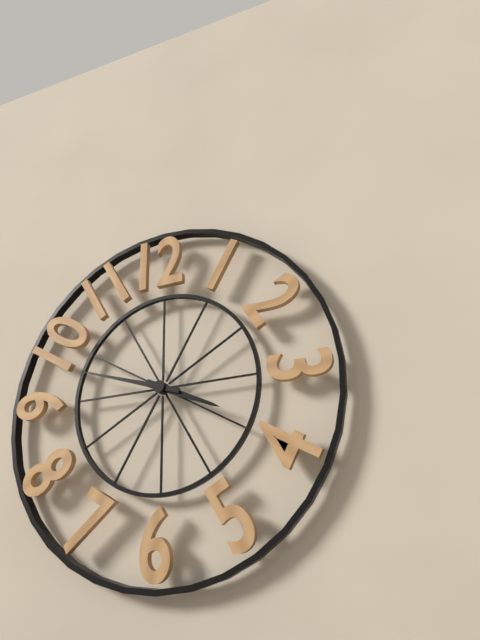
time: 3:48
